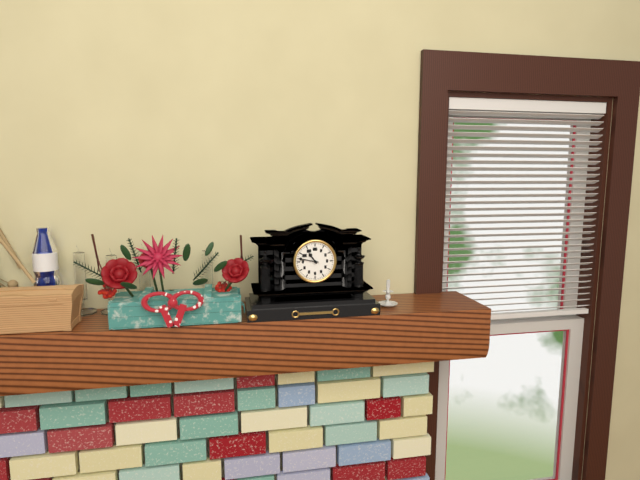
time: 10:47
